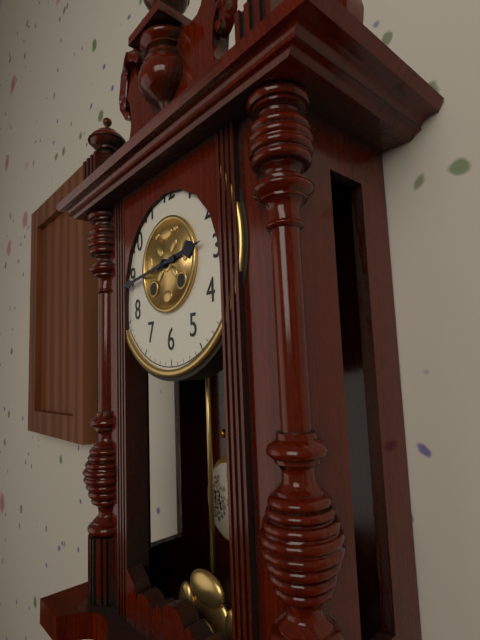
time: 2:44
